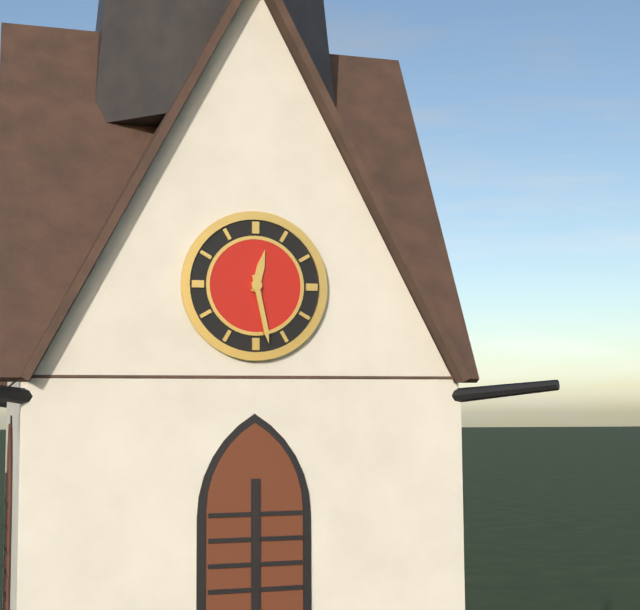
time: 12:28
